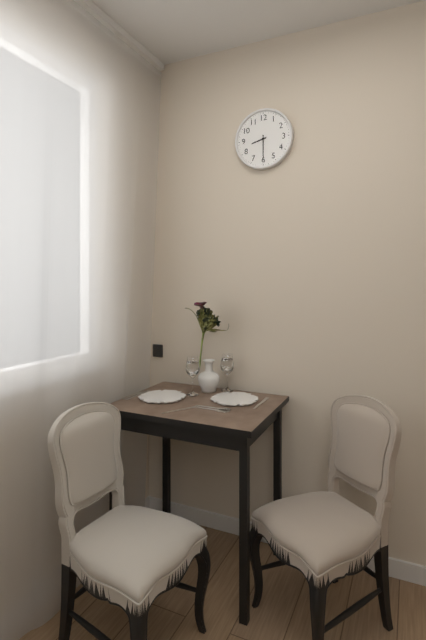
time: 8:30
